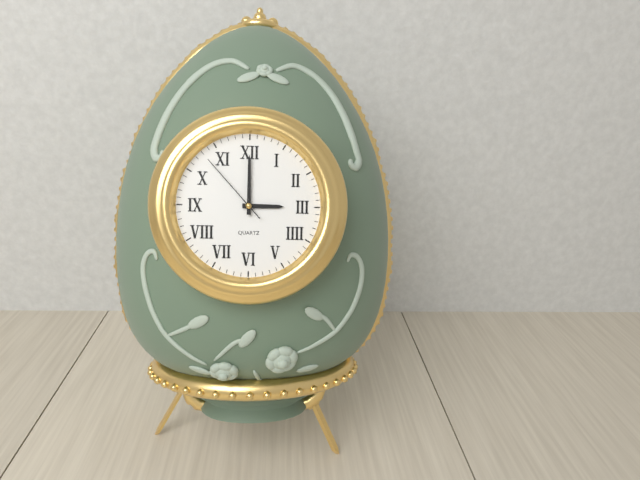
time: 3:00:53
